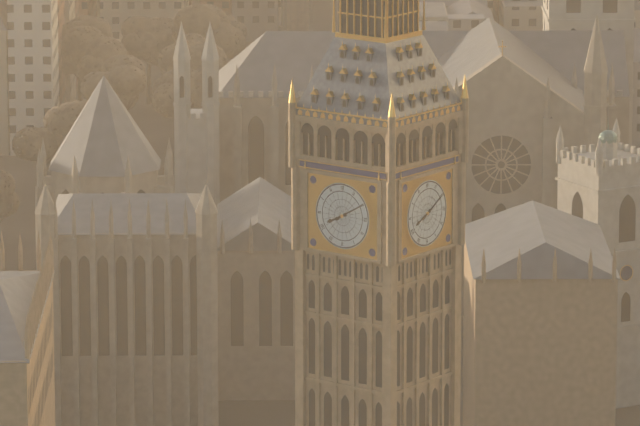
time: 8:10
